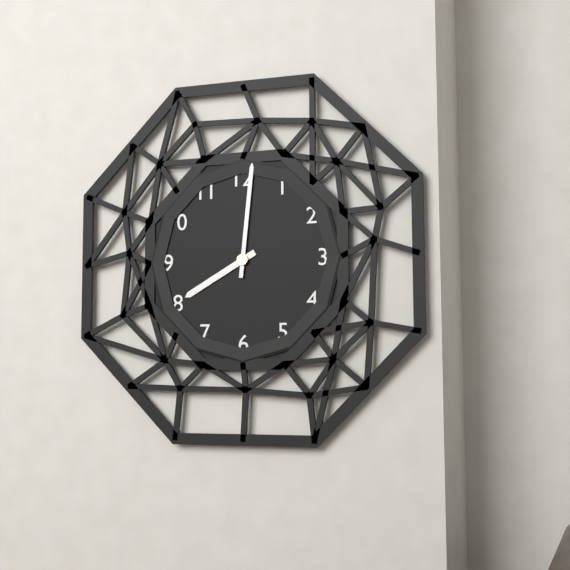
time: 8:01
